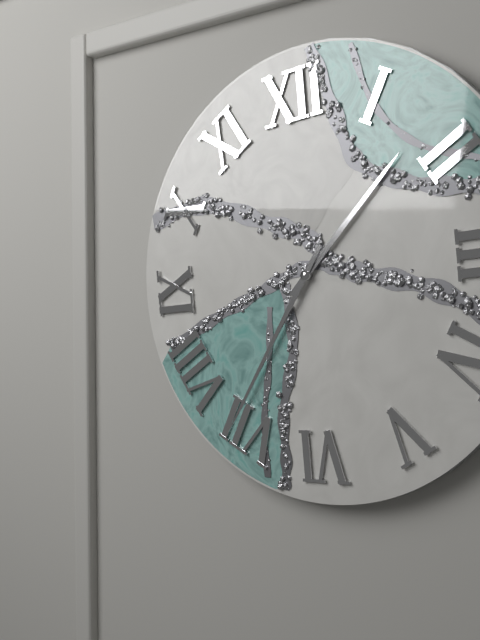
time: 1:36
